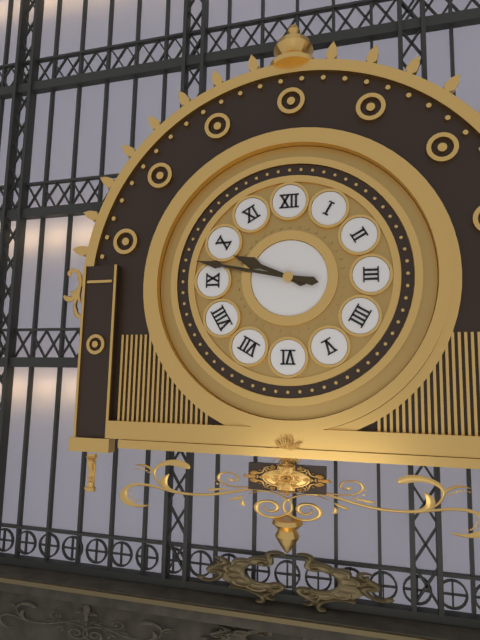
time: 9:47
